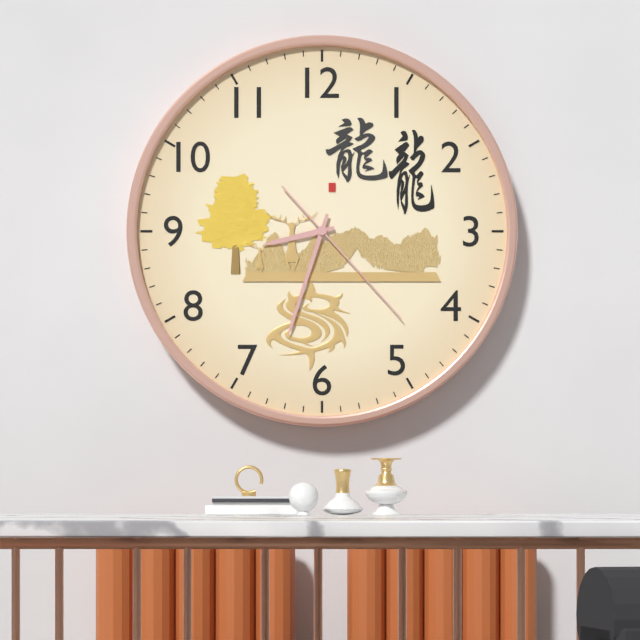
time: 8:33:23
